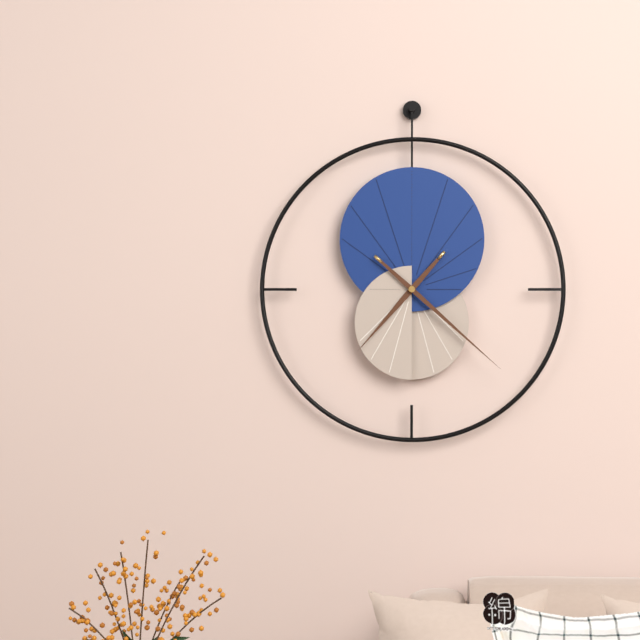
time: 7:22
